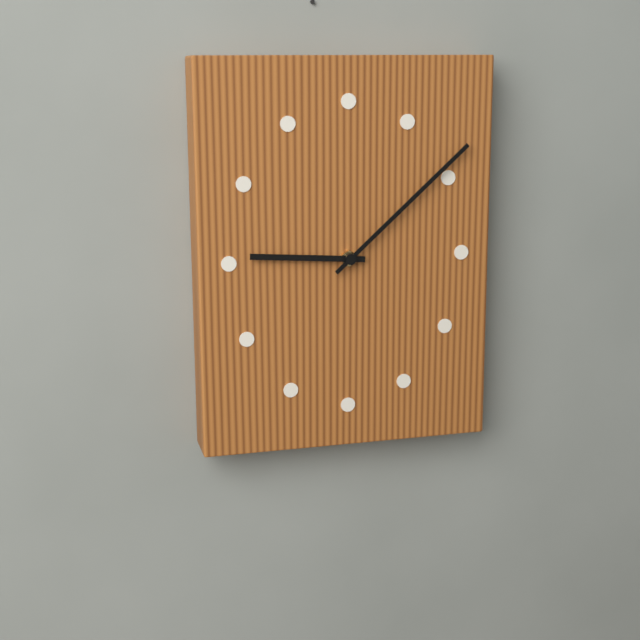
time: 9:08
